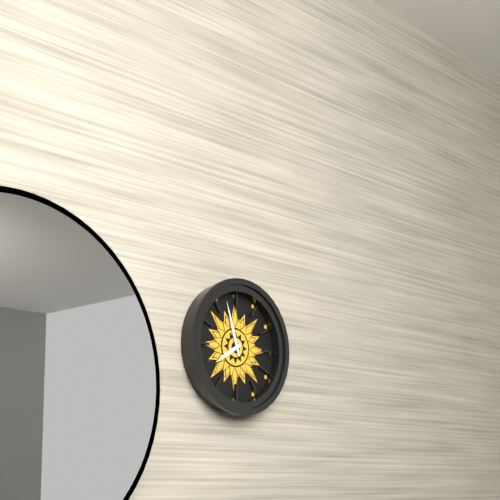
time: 7:57
